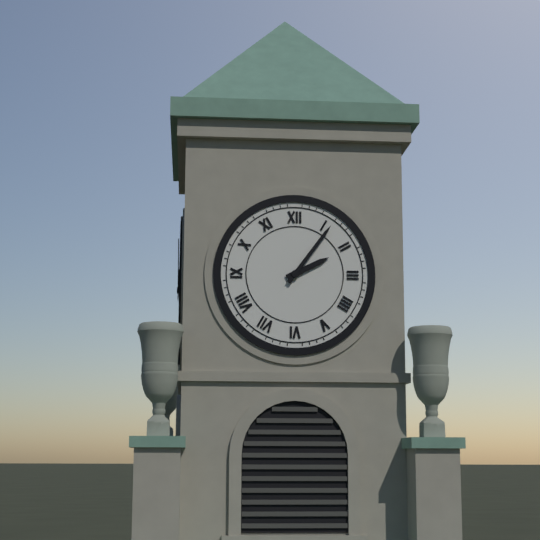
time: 2:06
